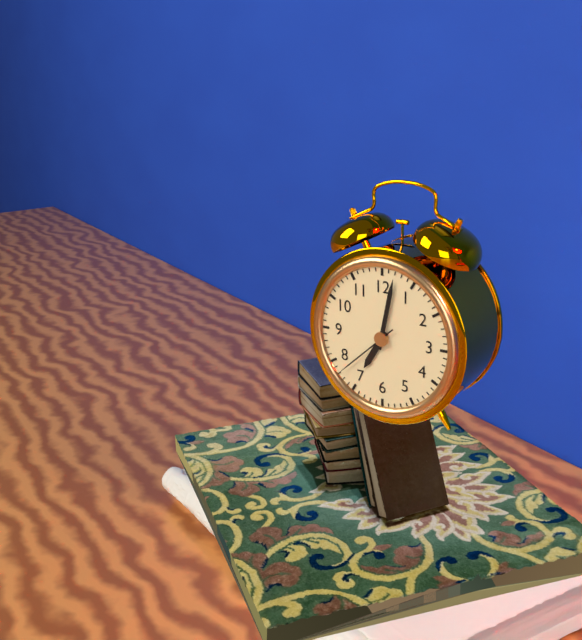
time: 7:02:38
